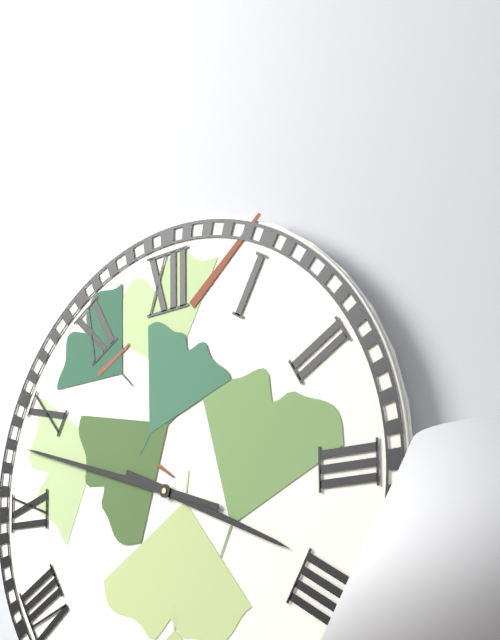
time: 3:48
